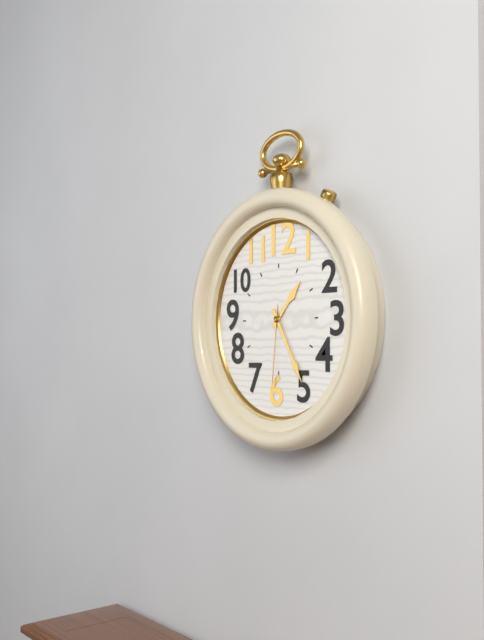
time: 1:25:31
